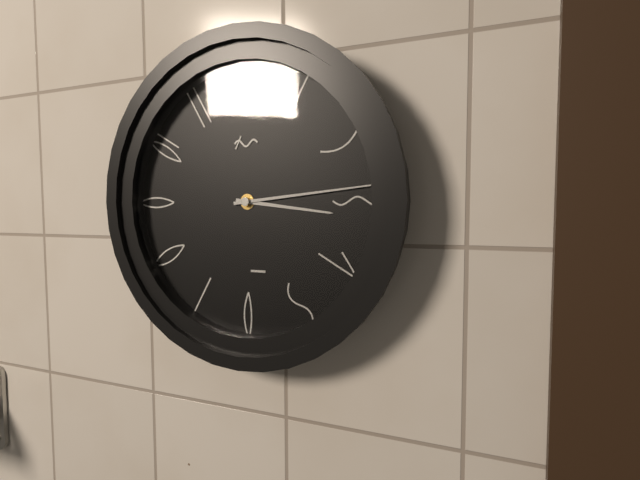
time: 3:14
